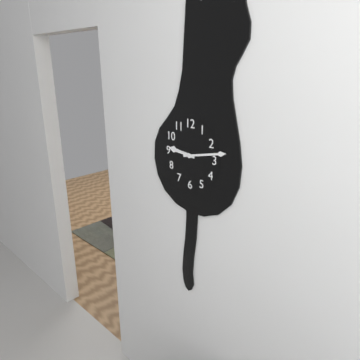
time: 9:13
